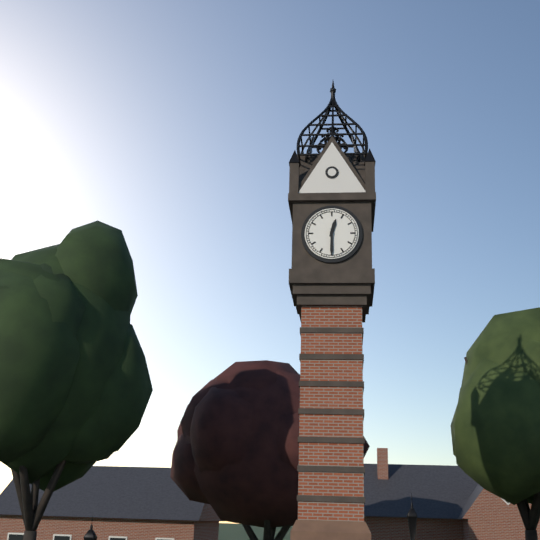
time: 12:30
